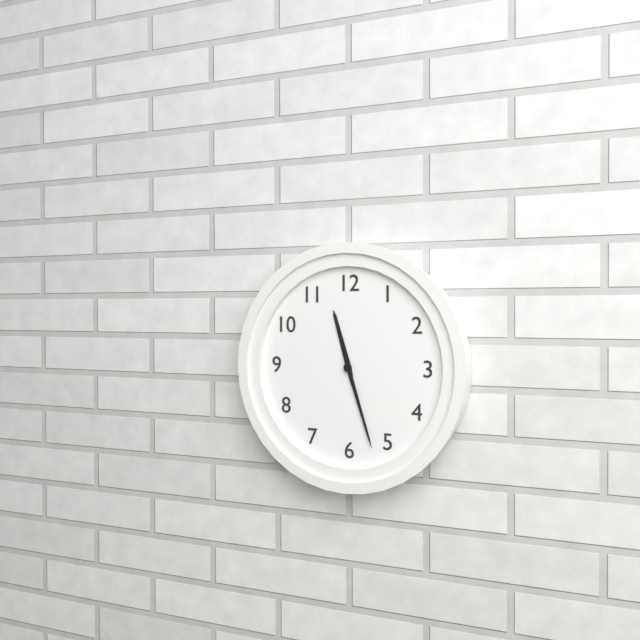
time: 11:27
